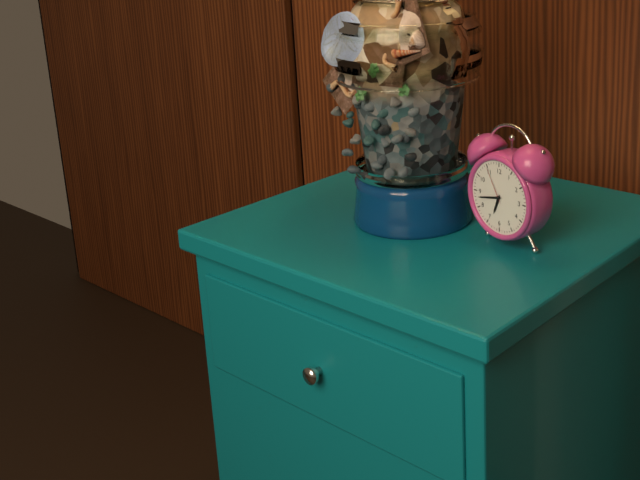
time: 6:43
